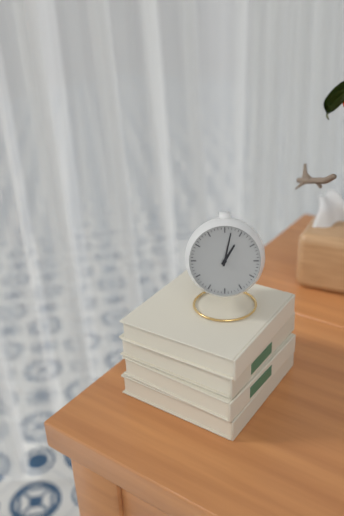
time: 1:02
